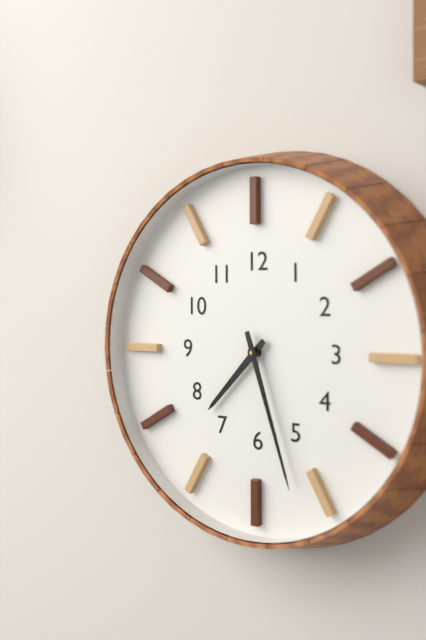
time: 7:27
